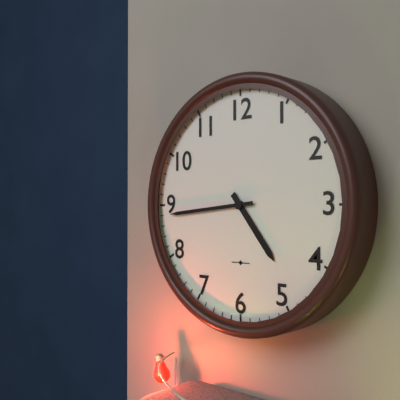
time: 4:44
